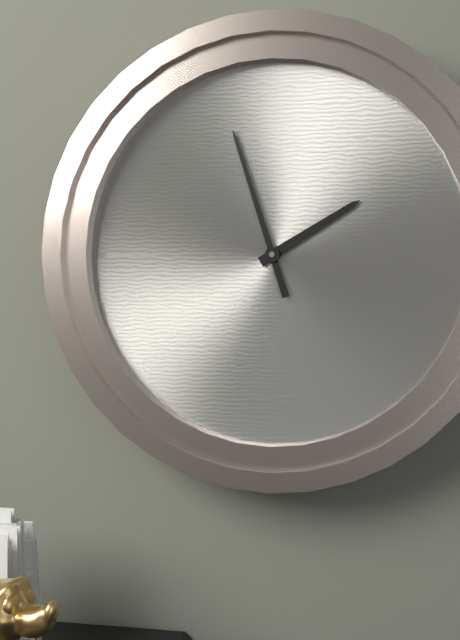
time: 1:57
